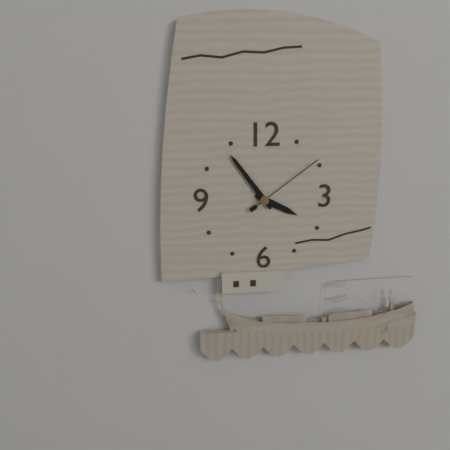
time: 3:54:09
